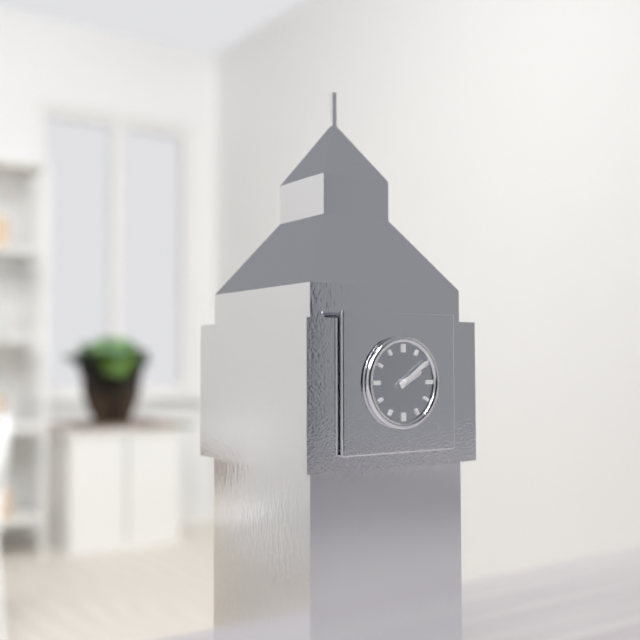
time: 2:09
